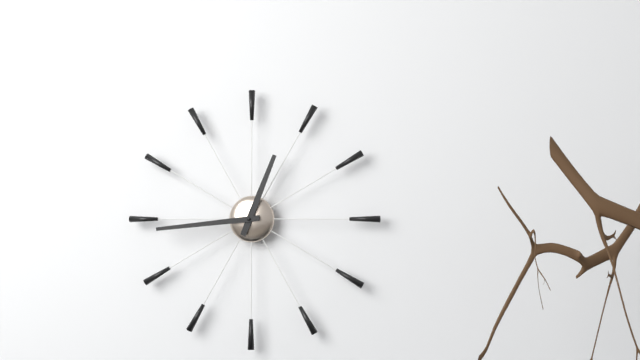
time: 12:44
